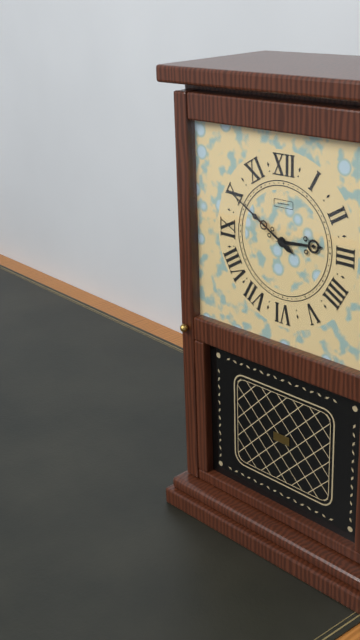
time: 2:50
